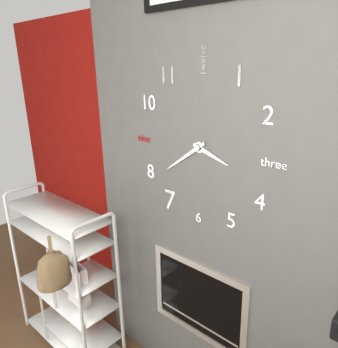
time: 3:39
